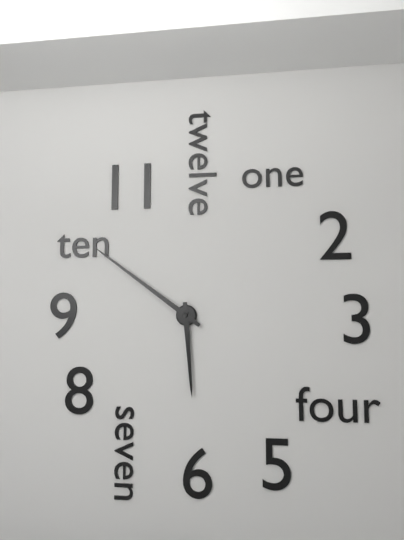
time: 5:51
